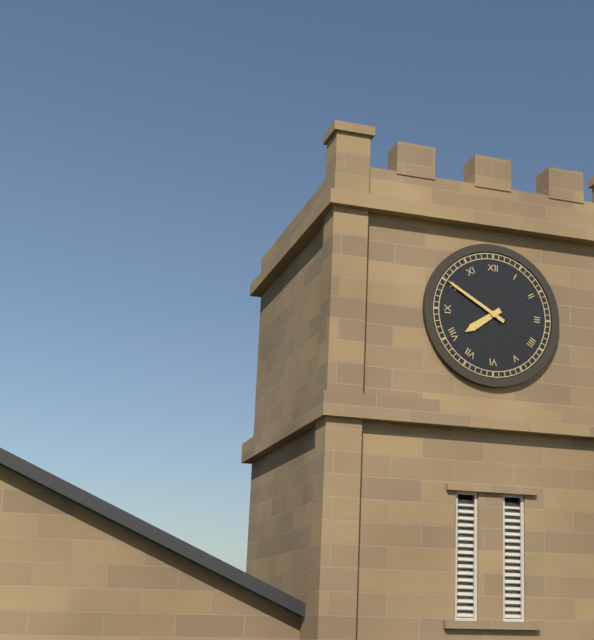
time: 7:50
